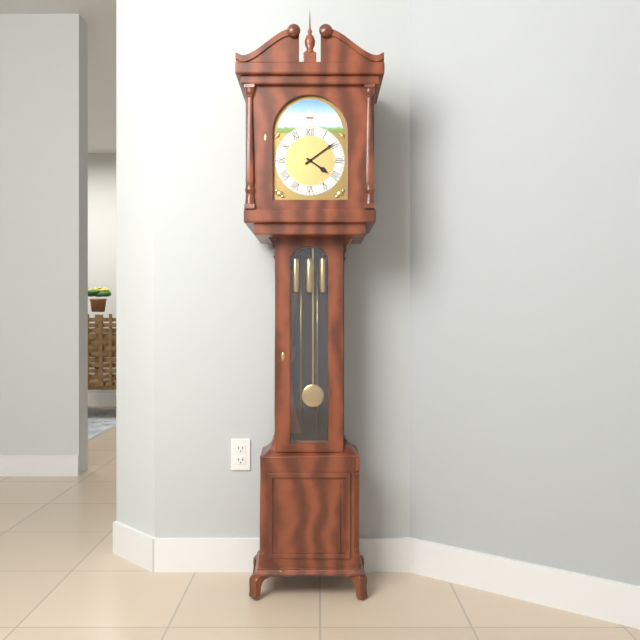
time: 4:09
